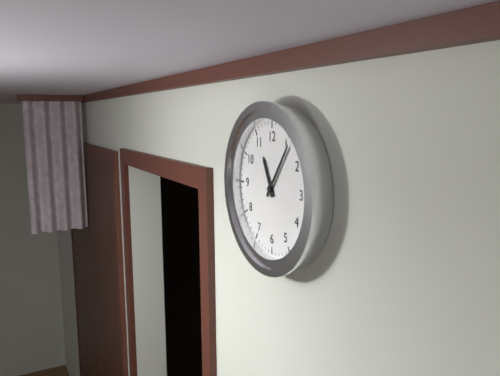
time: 11:06
